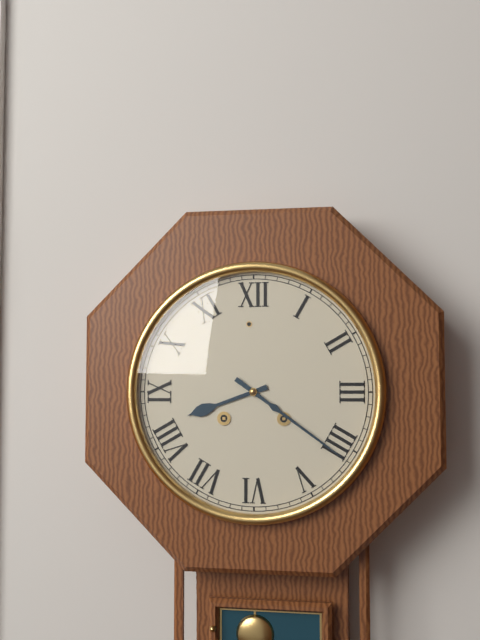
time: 8:21
